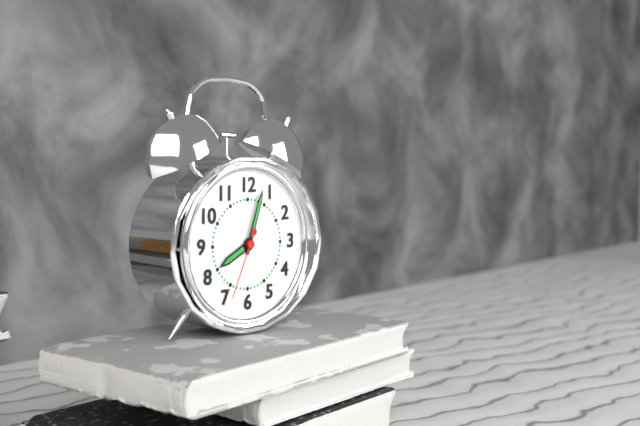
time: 8:03:34
